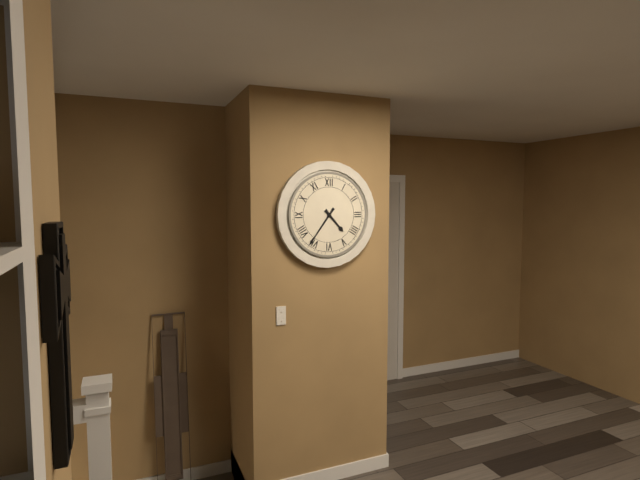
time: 4:36
